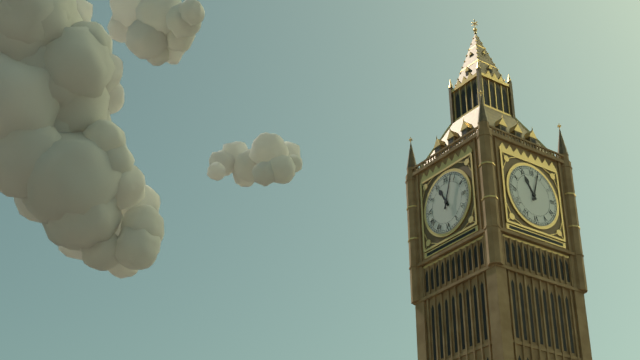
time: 11:03
